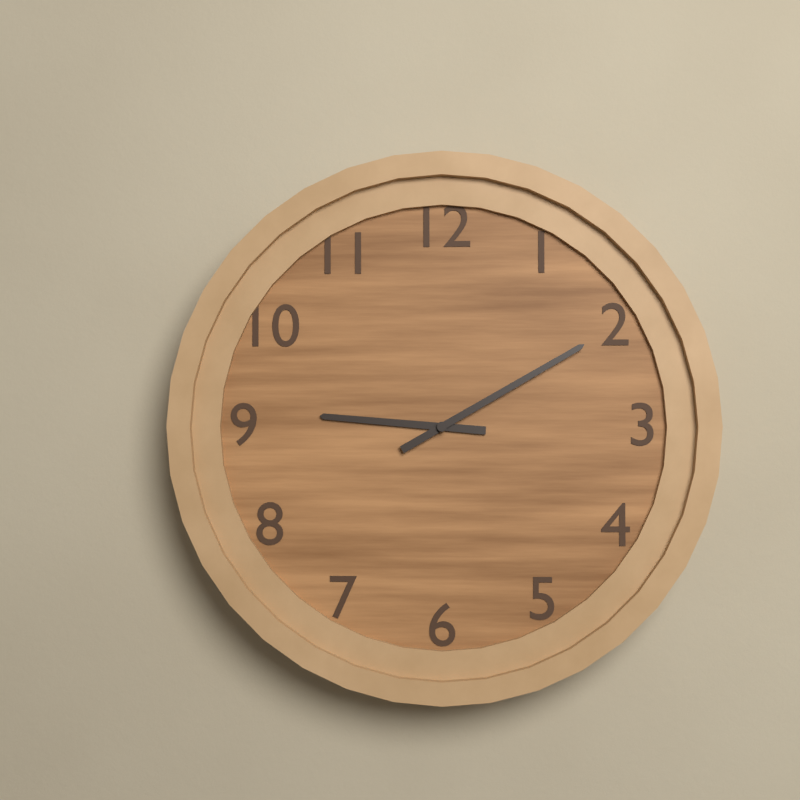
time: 9:10
